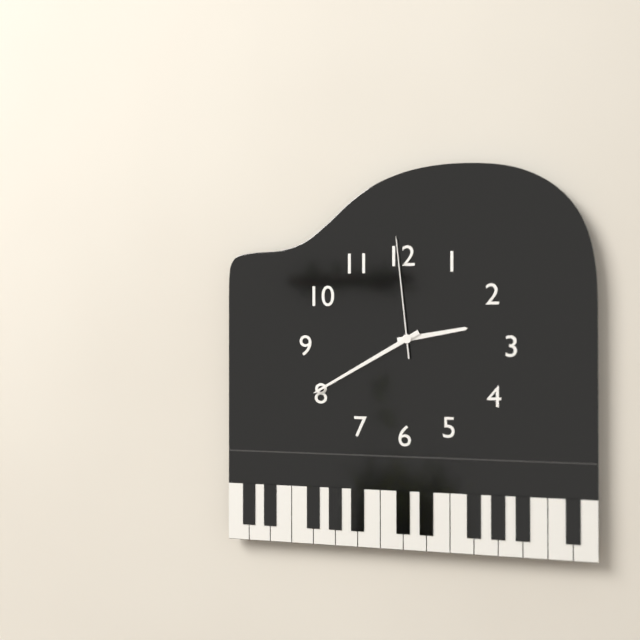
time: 2:40:59
